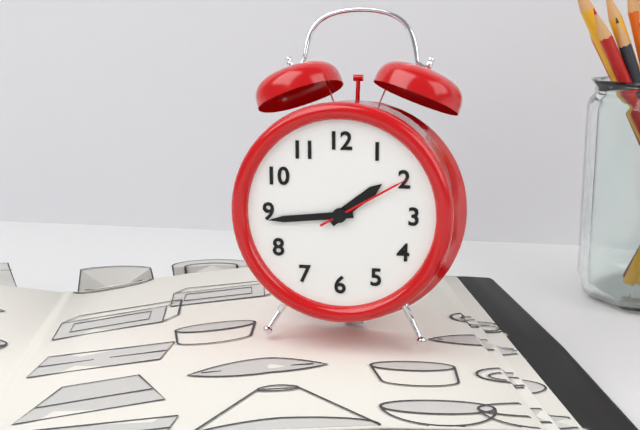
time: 1:44:10
